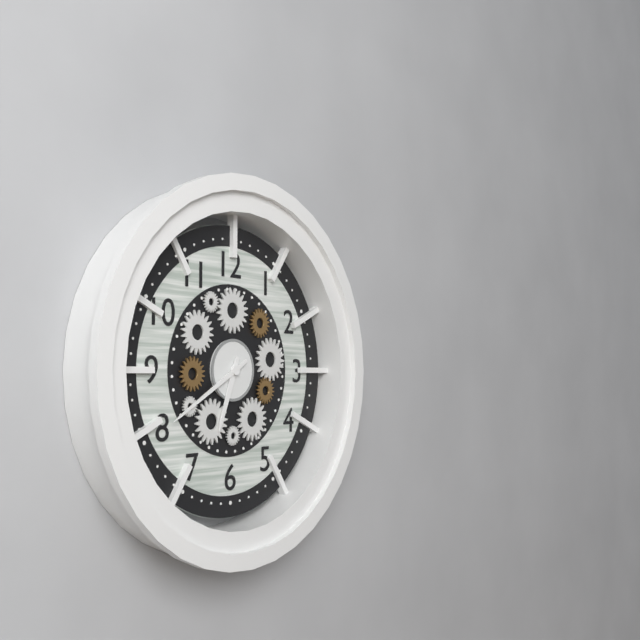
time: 6:40
